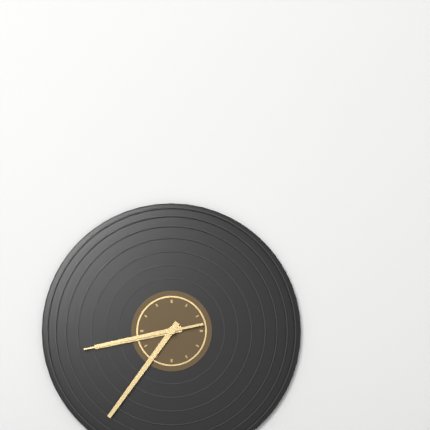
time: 8:36:43
